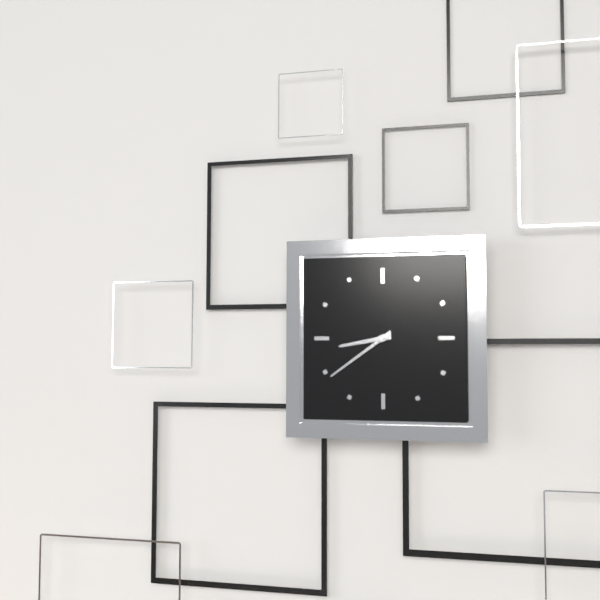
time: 8:39
